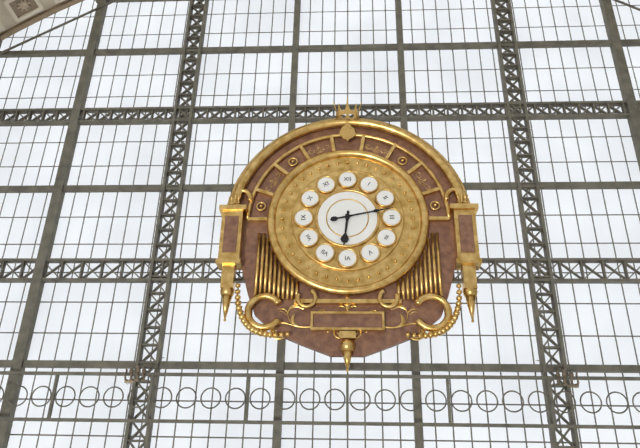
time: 6:13
